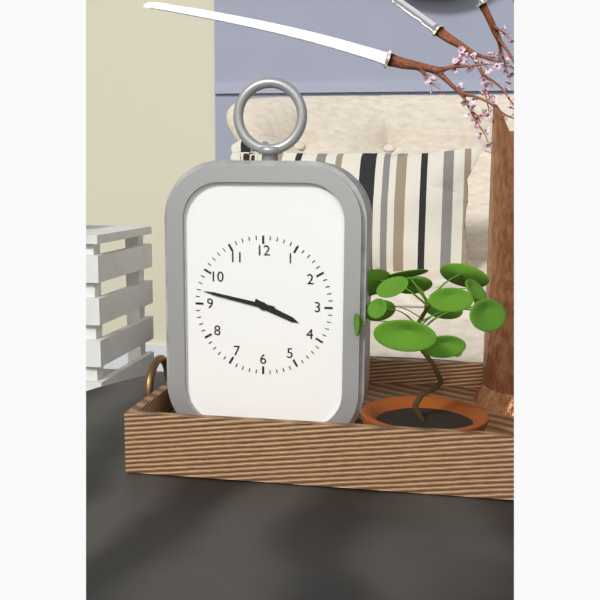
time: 3:47
